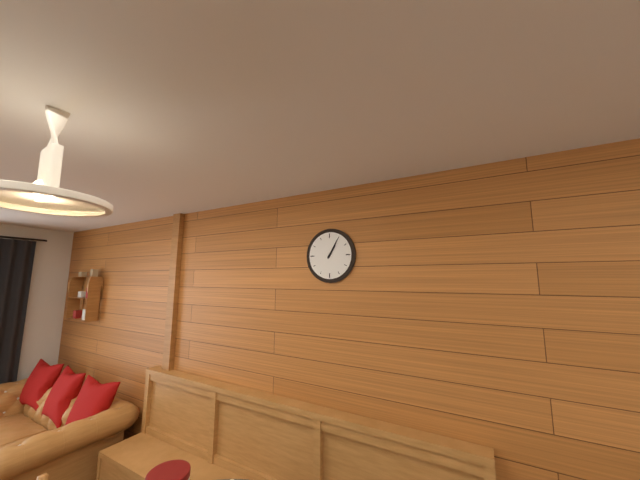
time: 1:05
